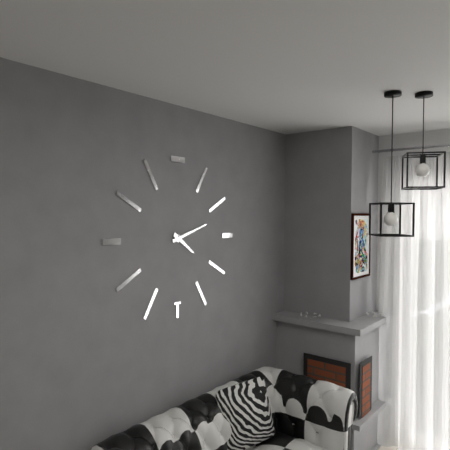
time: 4:12
